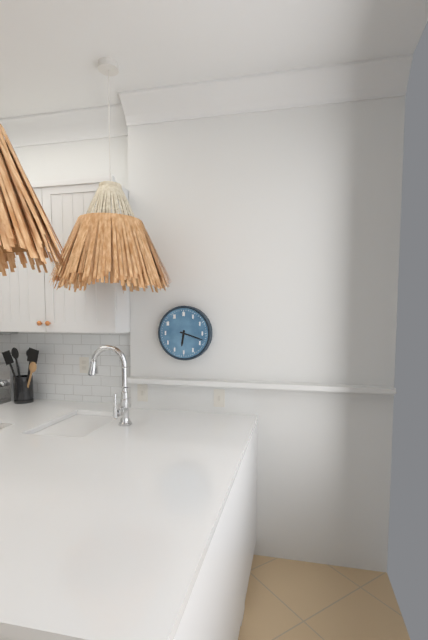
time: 6:18
